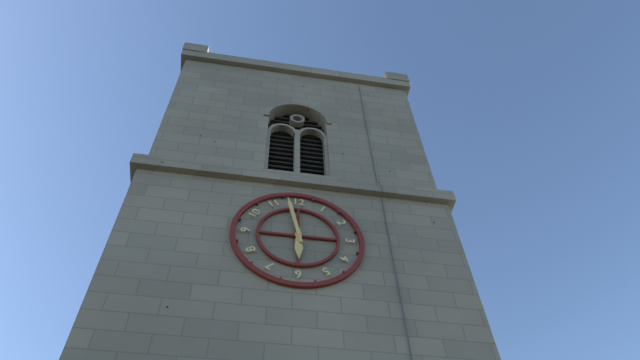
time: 5:58
